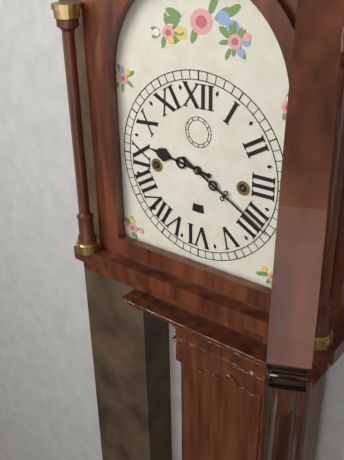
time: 9:20
